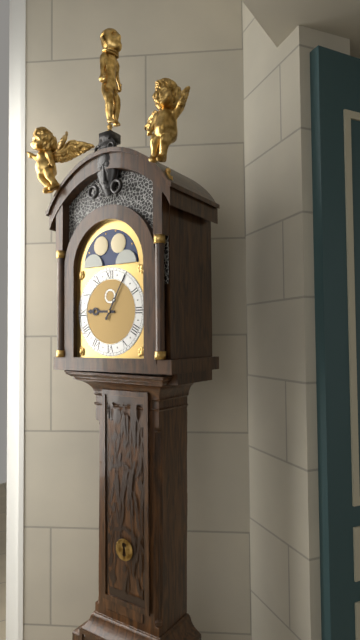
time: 9:05
